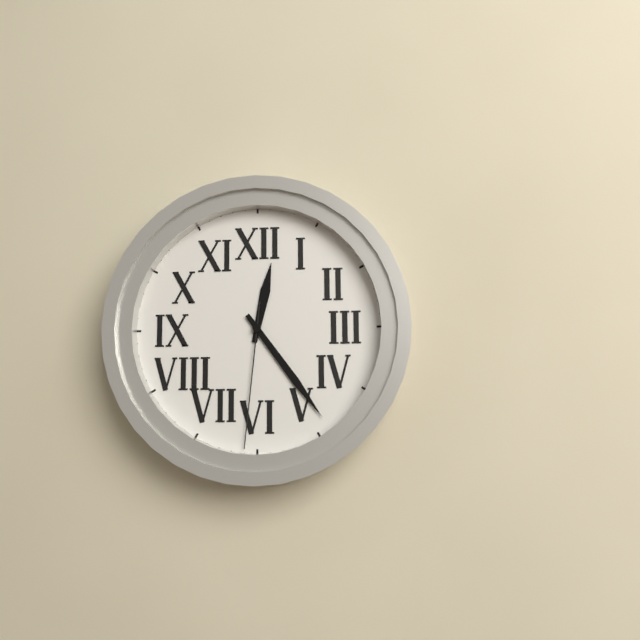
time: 12:24:31
